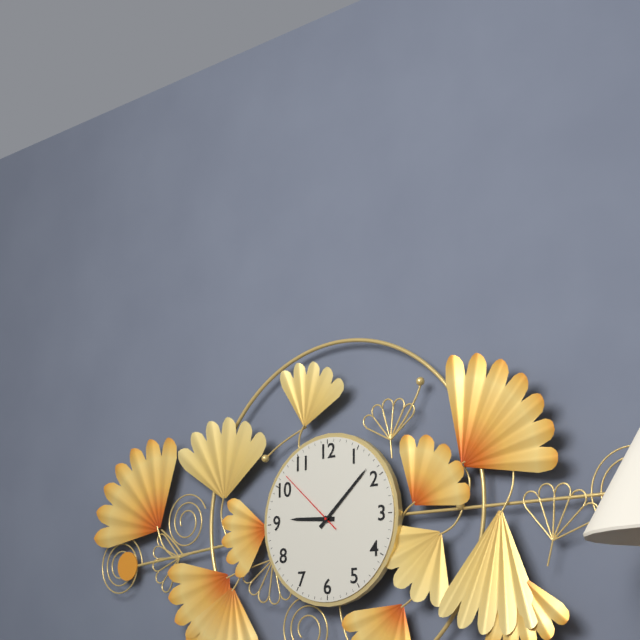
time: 9:08:52
